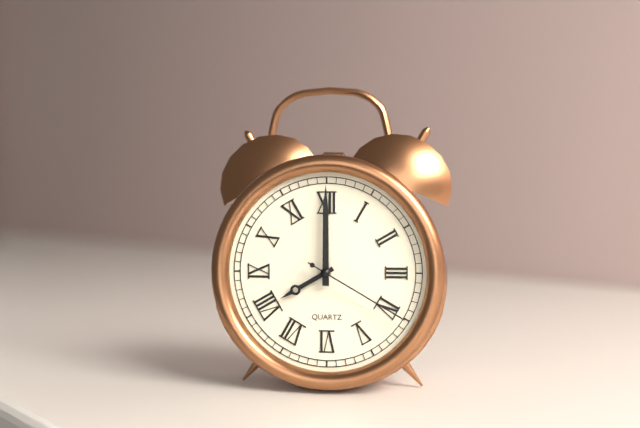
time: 8:00:20
